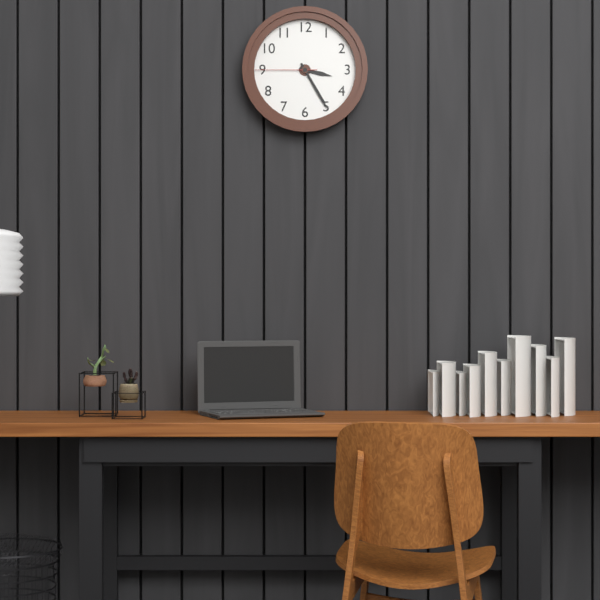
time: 3:25:45
